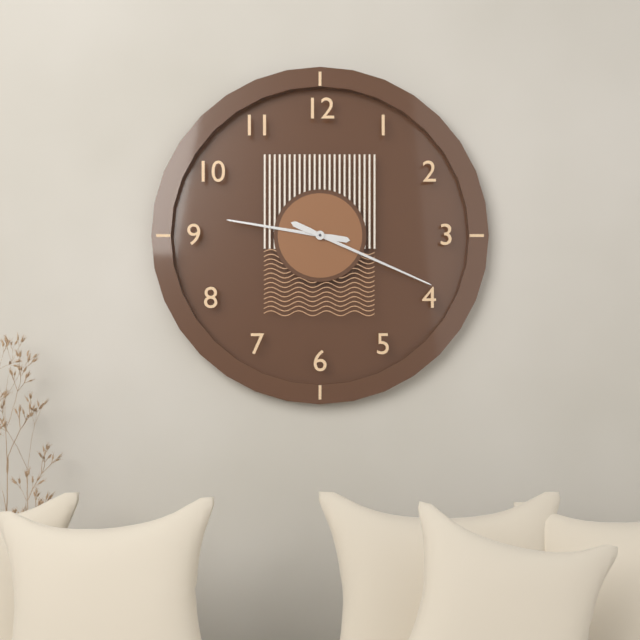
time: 9:19
